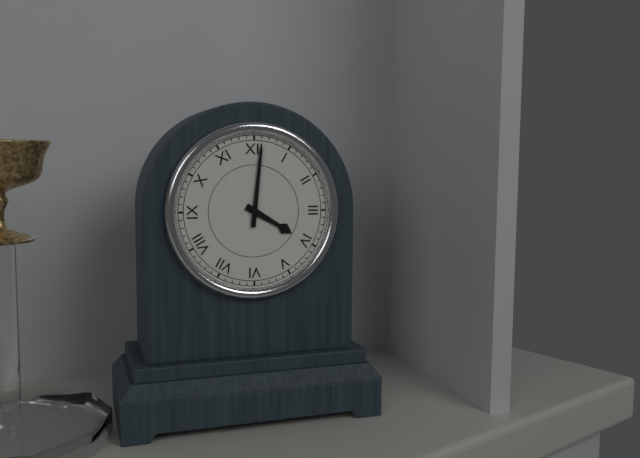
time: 4:01
